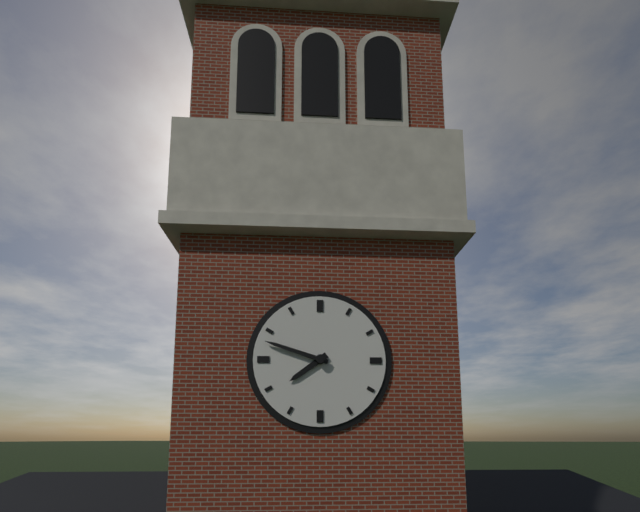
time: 7:48
